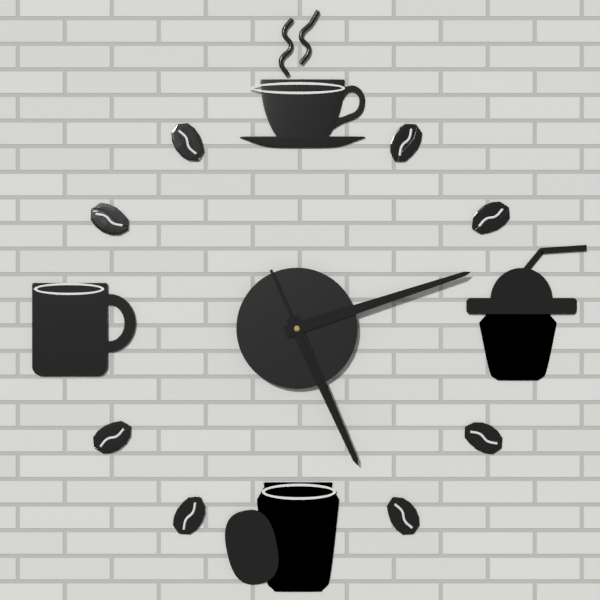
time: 5:12:26
